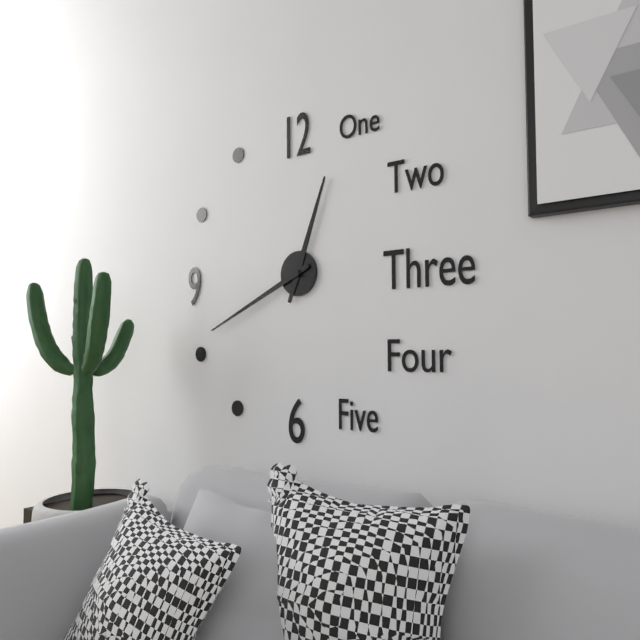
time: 12:41
